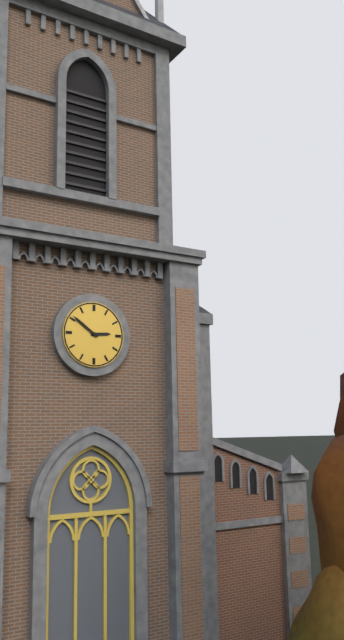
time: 2:51
